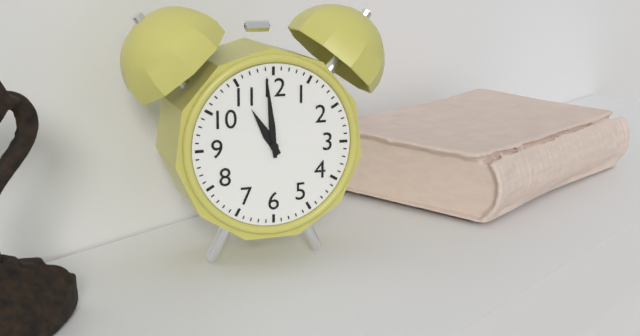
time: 10:59
